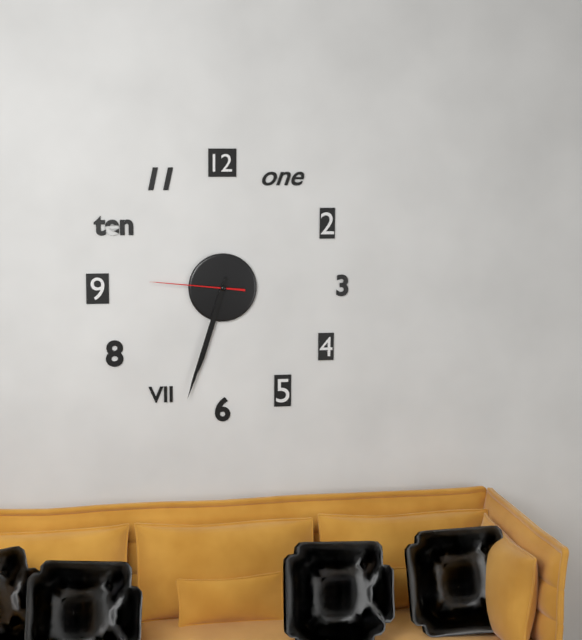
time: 6:33:46
